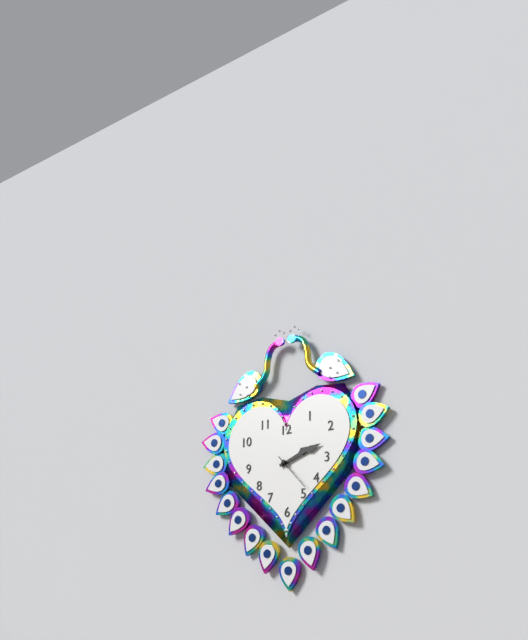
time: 2:12
